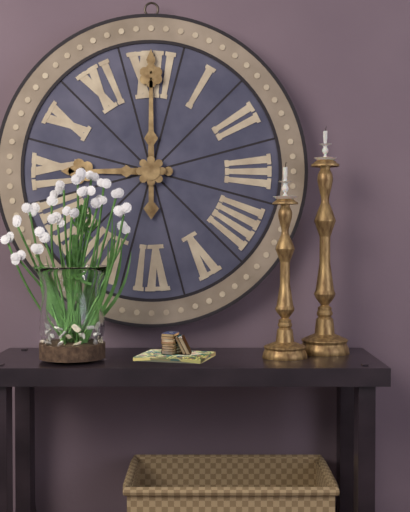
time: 9:00
